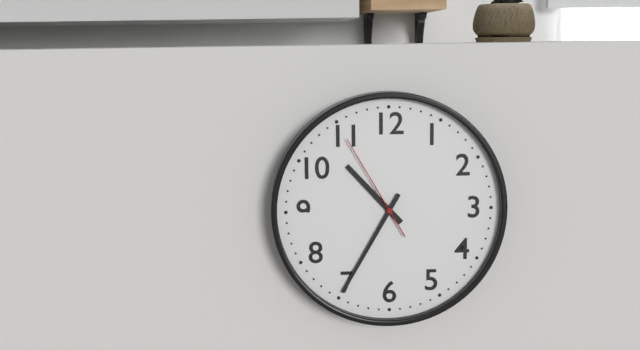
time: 10:35:55
